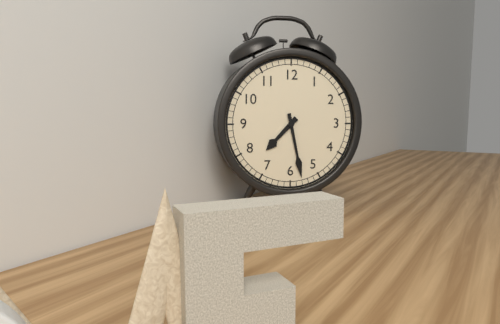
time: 7:28
